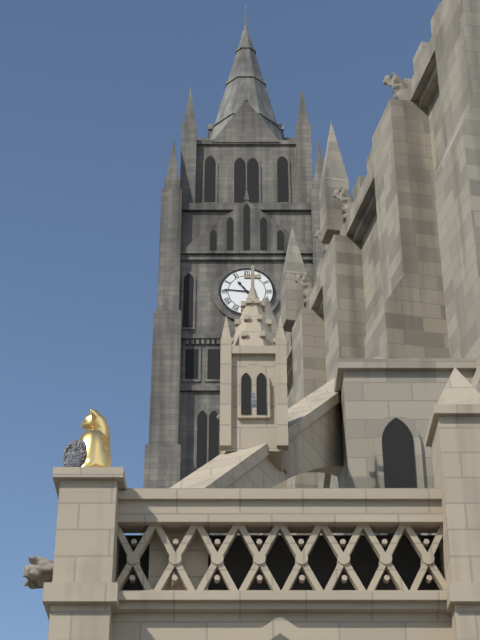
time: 10:46
